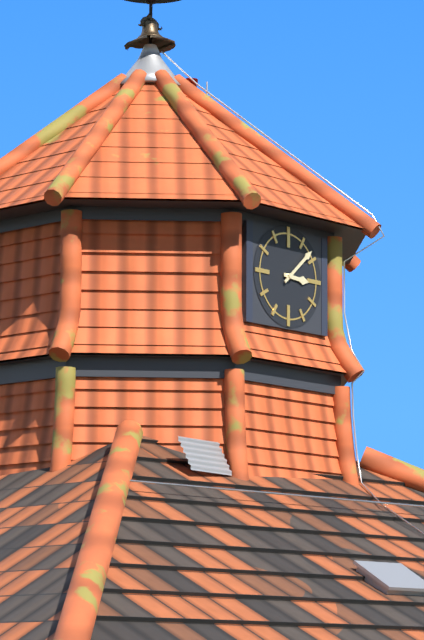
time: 3:08
